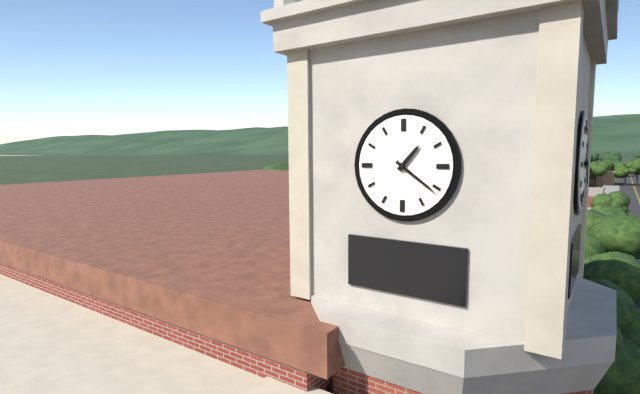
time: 1:21
